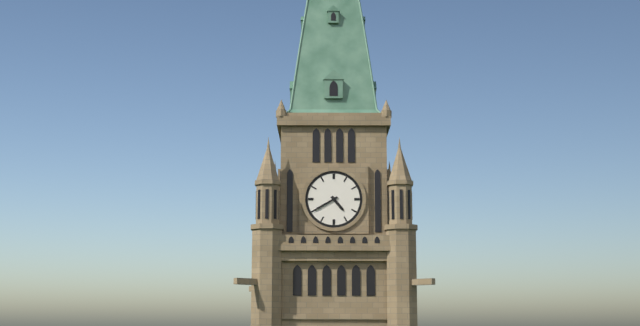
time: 4:40
